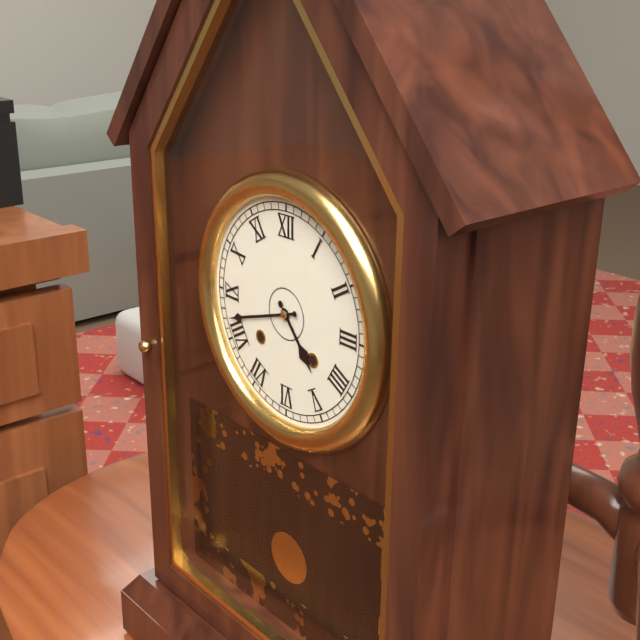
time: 4:42
